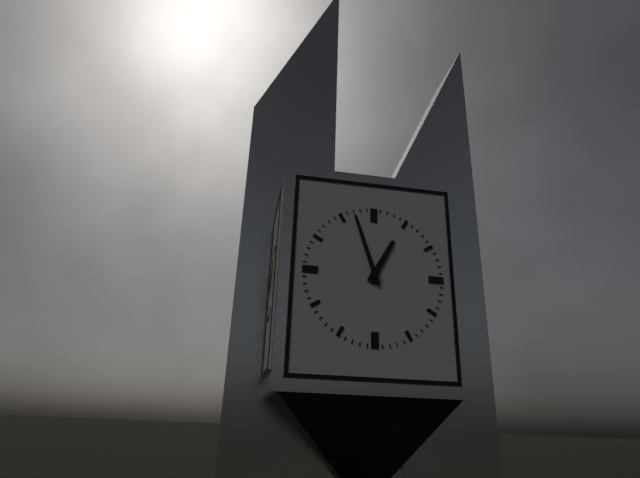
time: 12:57
